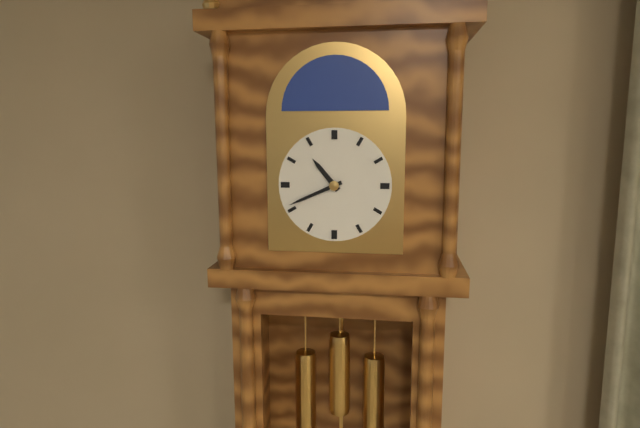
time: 10:41
